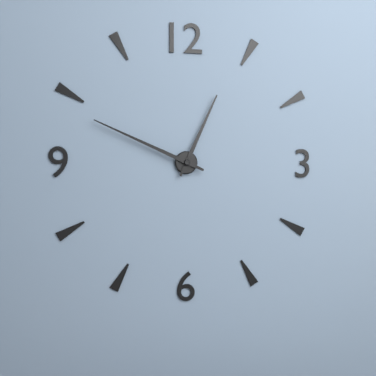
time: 12:49
